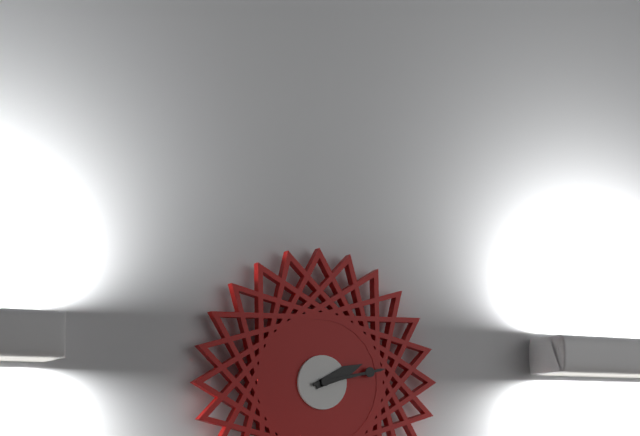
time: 2:13
